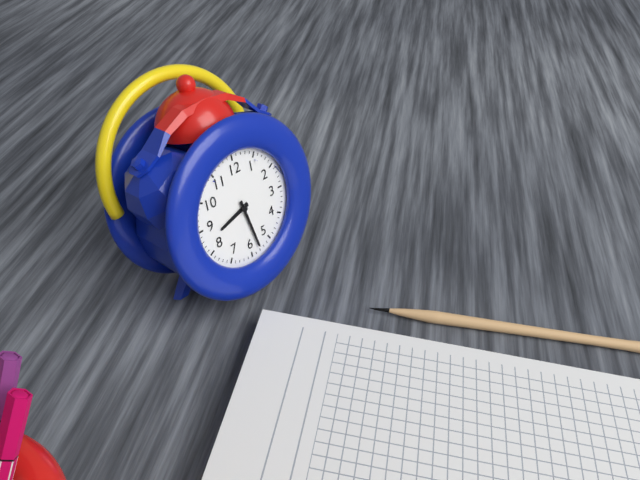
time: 8:28
